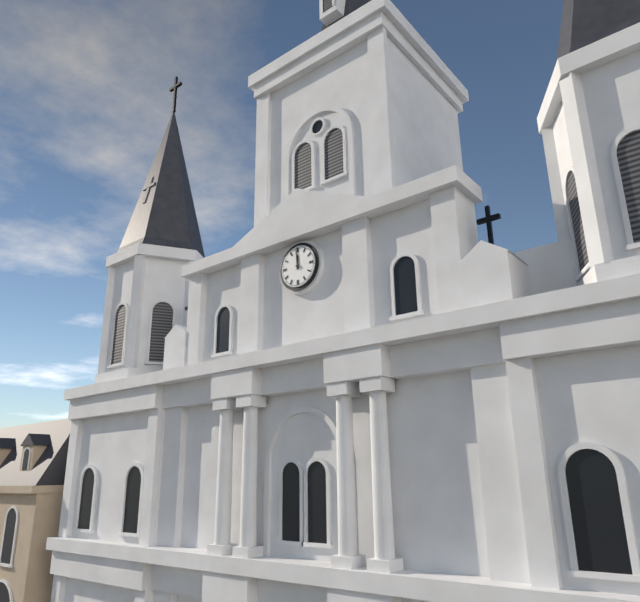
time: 11:59
